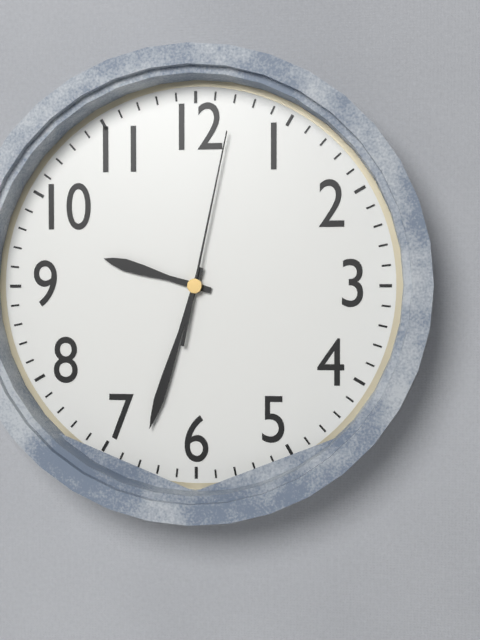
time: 9:33:02
